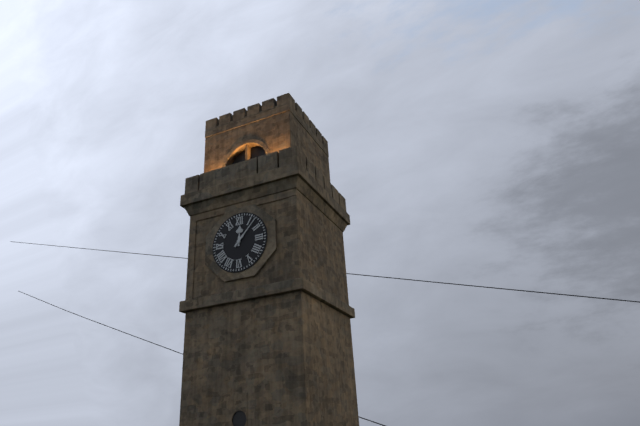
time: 12:07
